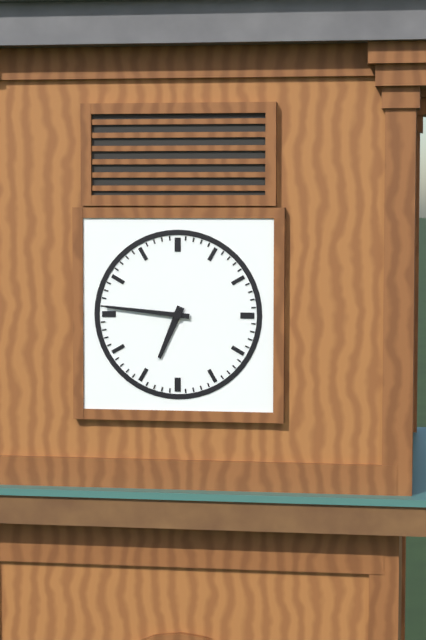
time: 6:46
